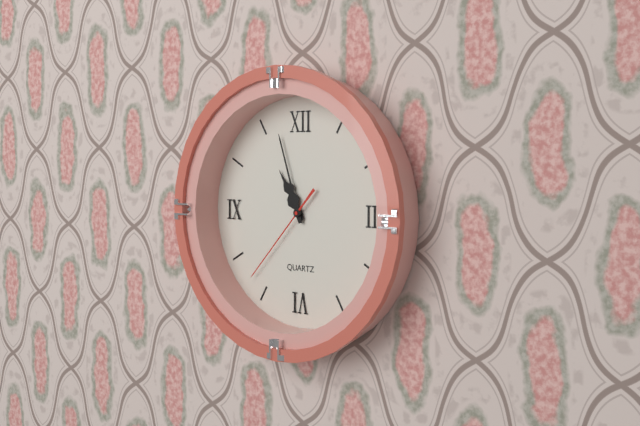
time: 10:57:37
